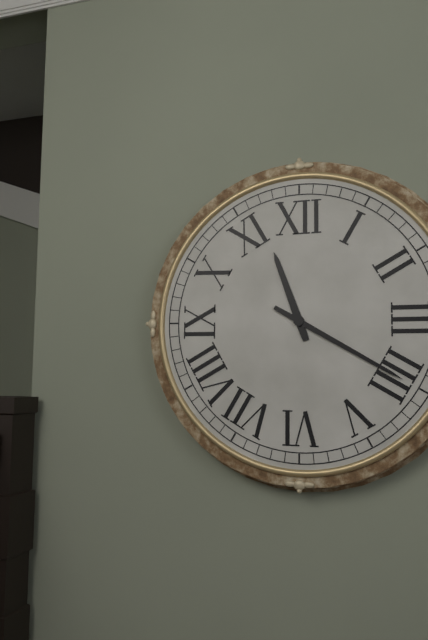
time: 11:20
